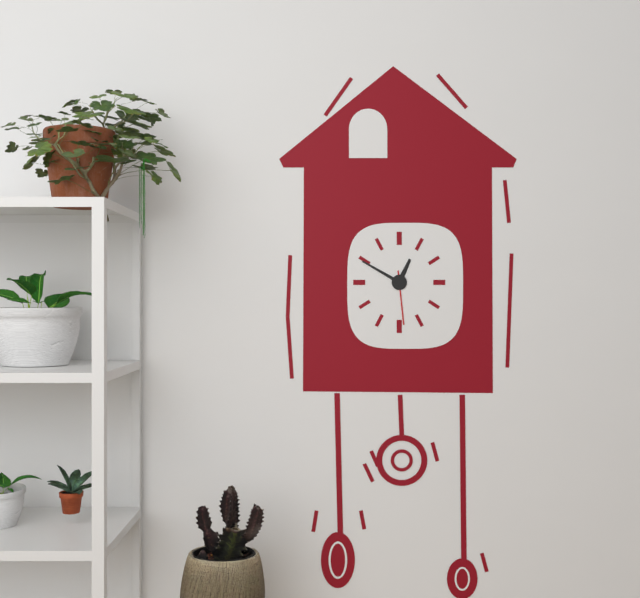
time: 12:50:29
